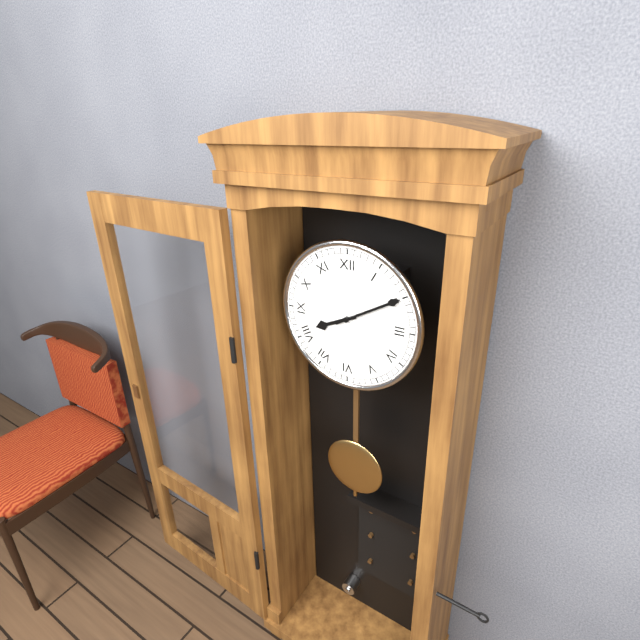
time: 8:10
